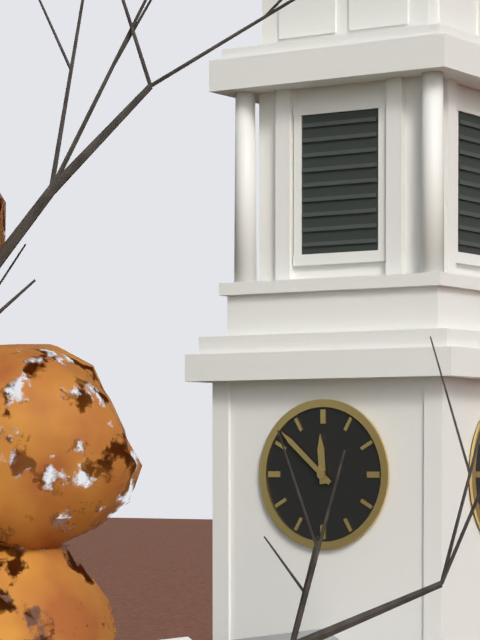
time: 11:52
